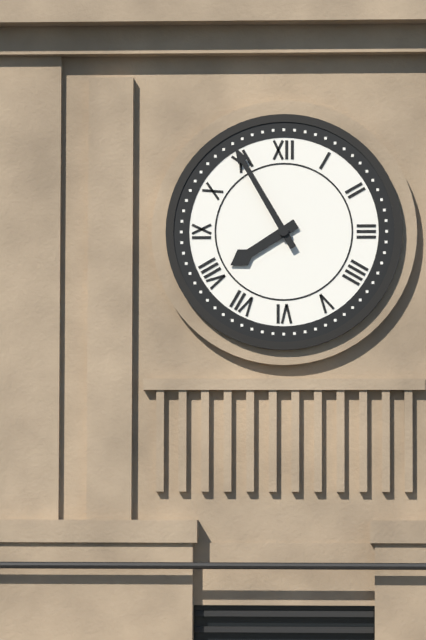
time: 7:55
